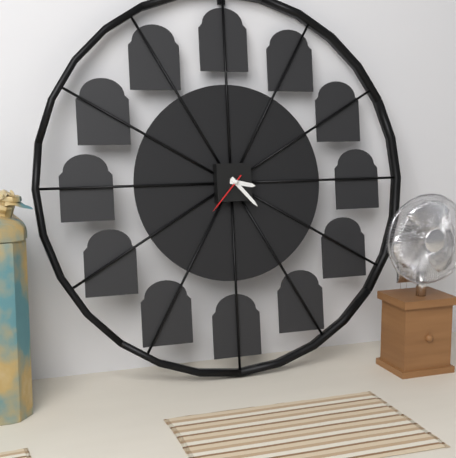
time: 3:23
